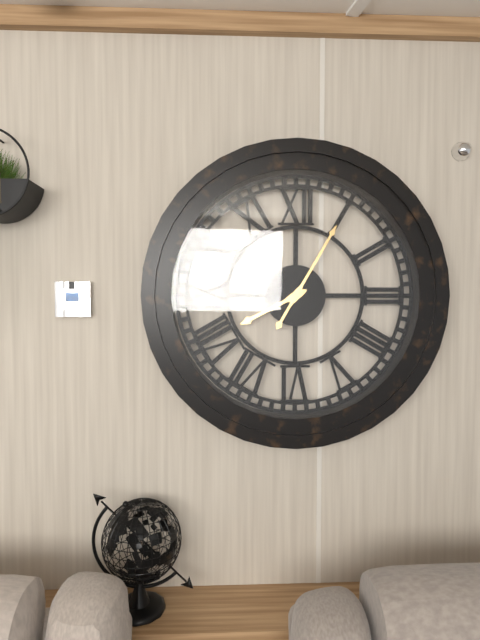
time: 8:05
